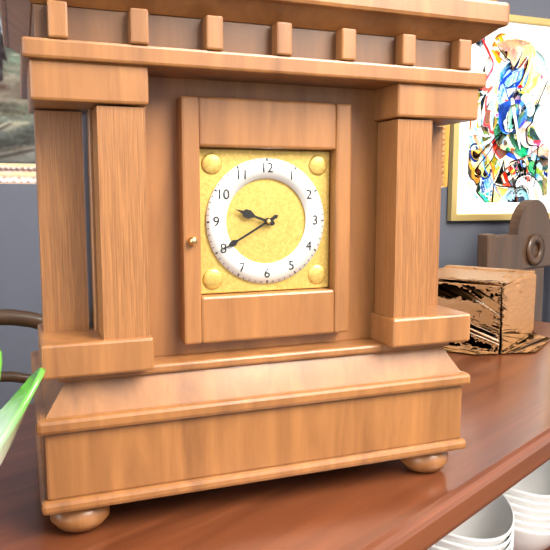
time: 9:40
